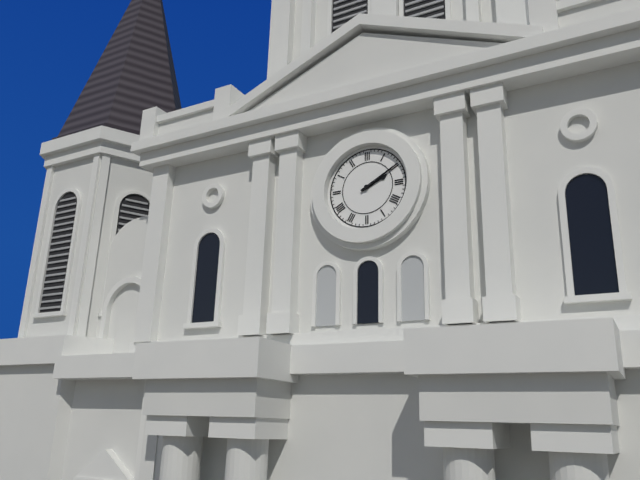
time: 2:10
